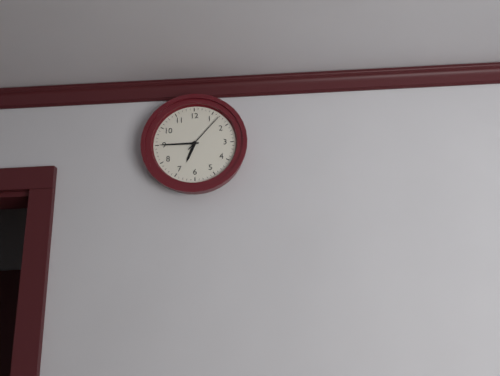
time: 6:45
